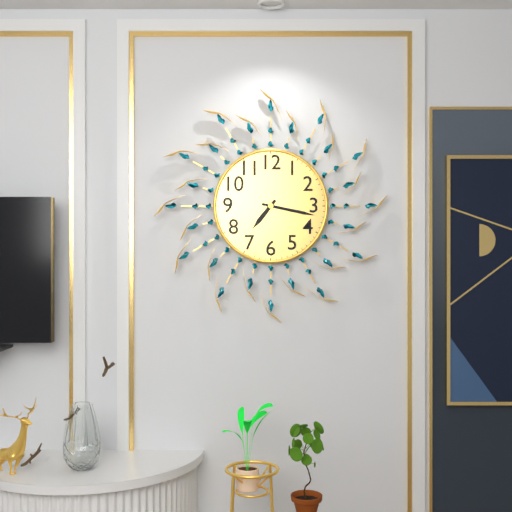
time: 7:17
